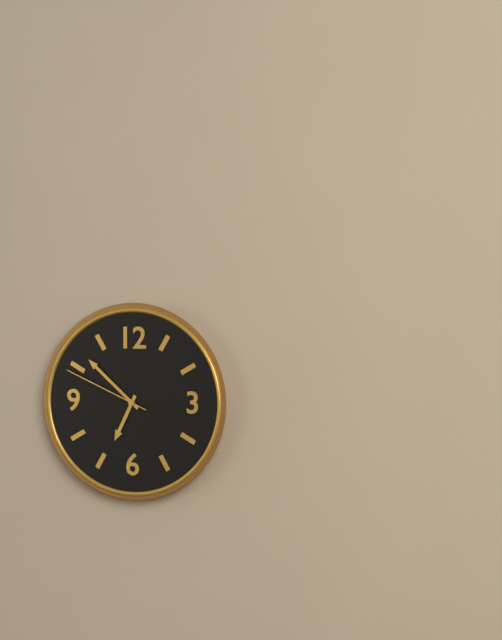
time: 6:52:49
